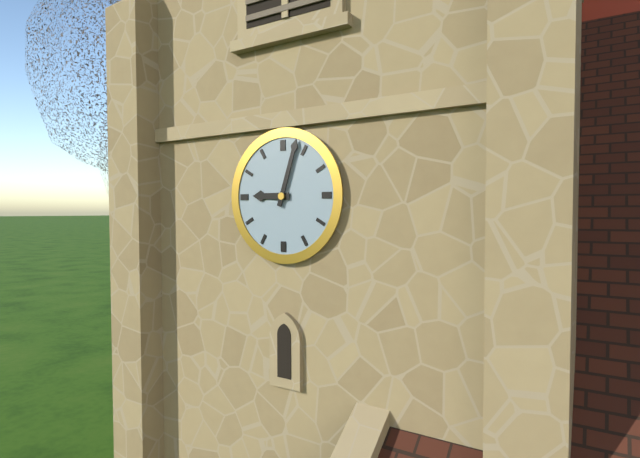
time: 9:03
